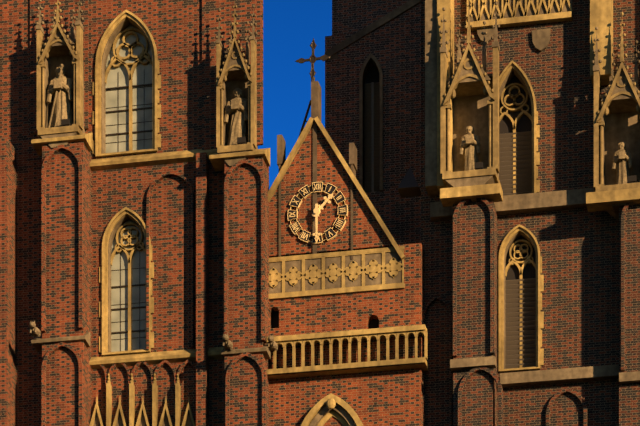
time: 1:30
